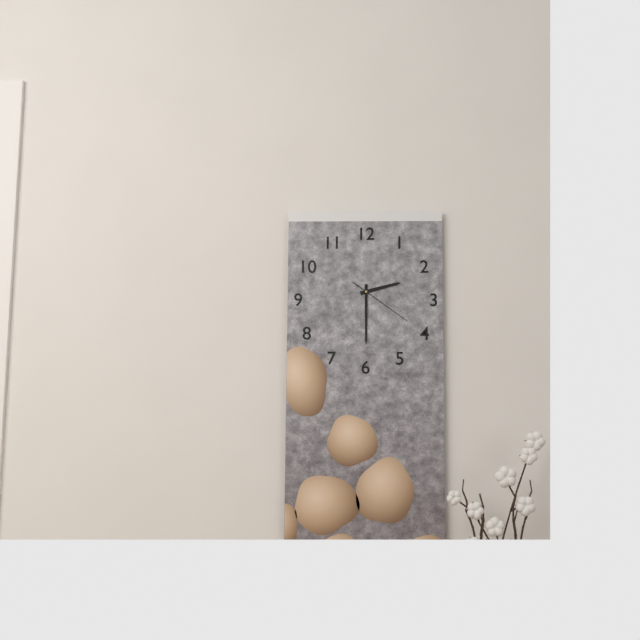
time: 2:30:21
